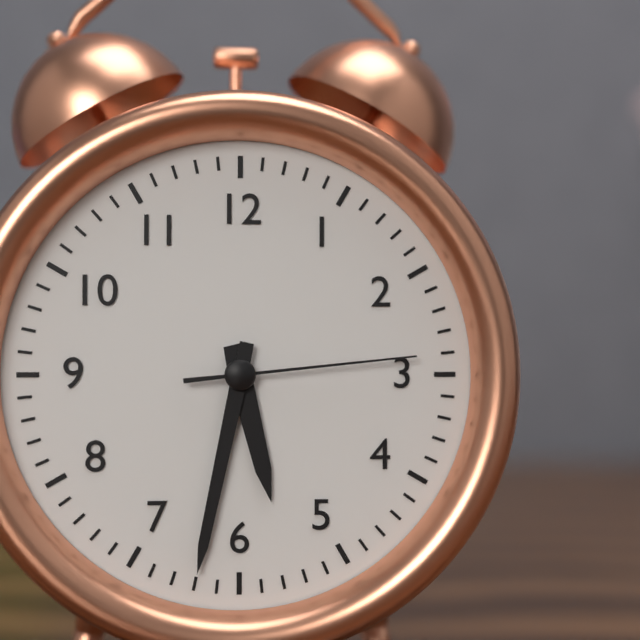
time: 5:32:14
